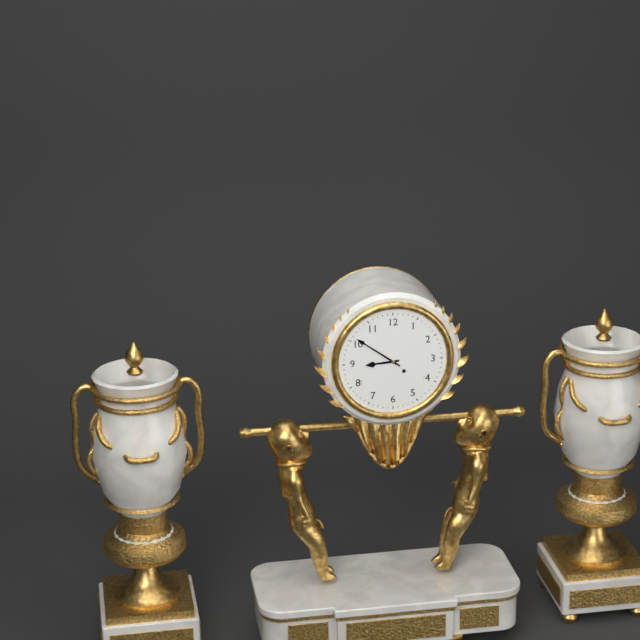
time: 8:51
